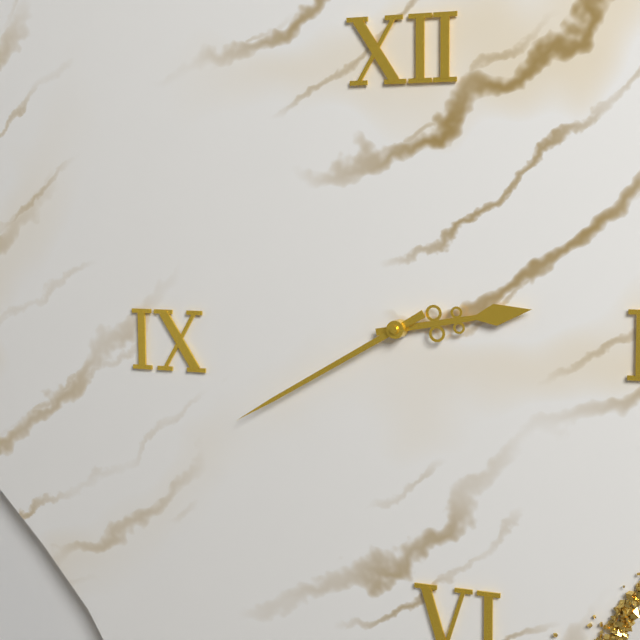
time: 2:40
